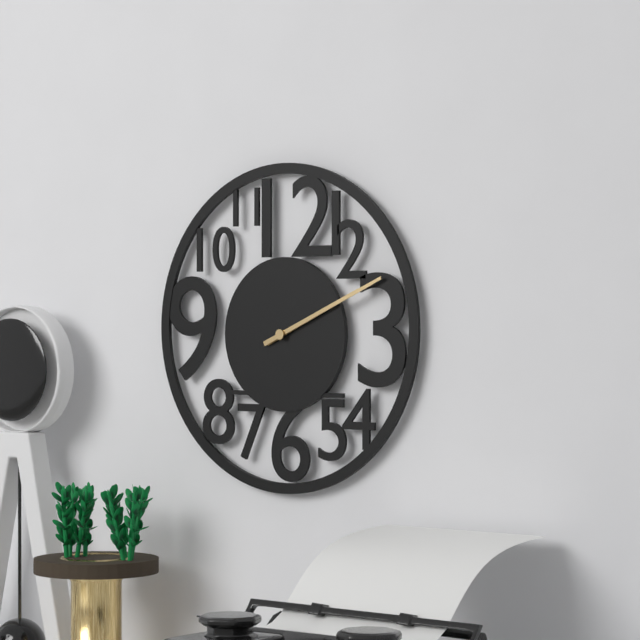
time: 2:11
